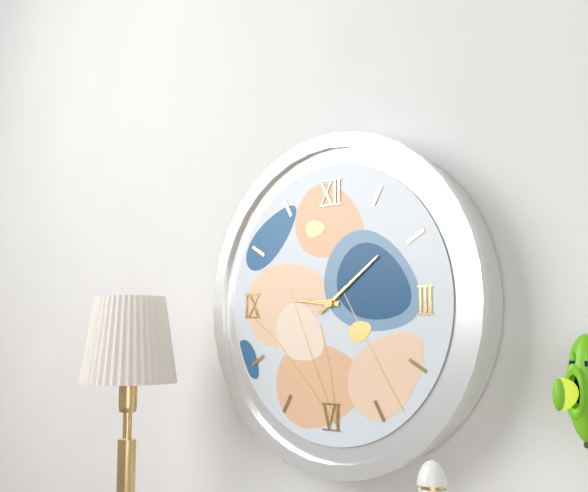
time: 9:09
